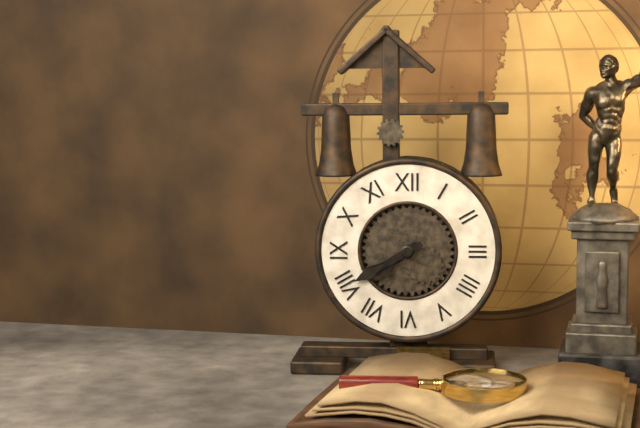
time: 7:40
